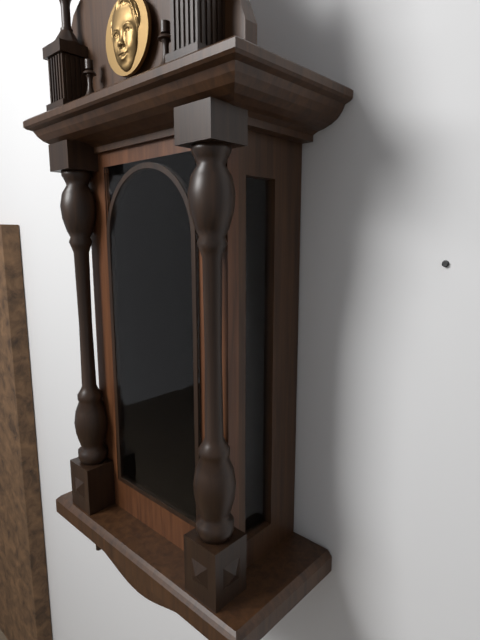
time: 3:29
